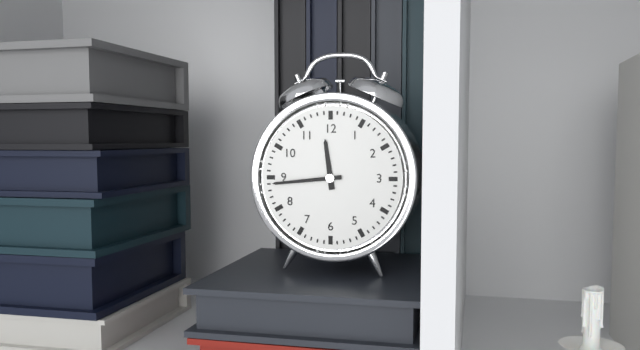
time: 11:44
